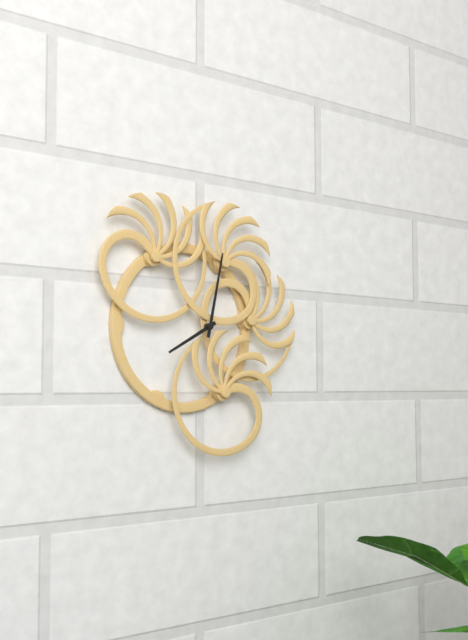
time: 8:02
